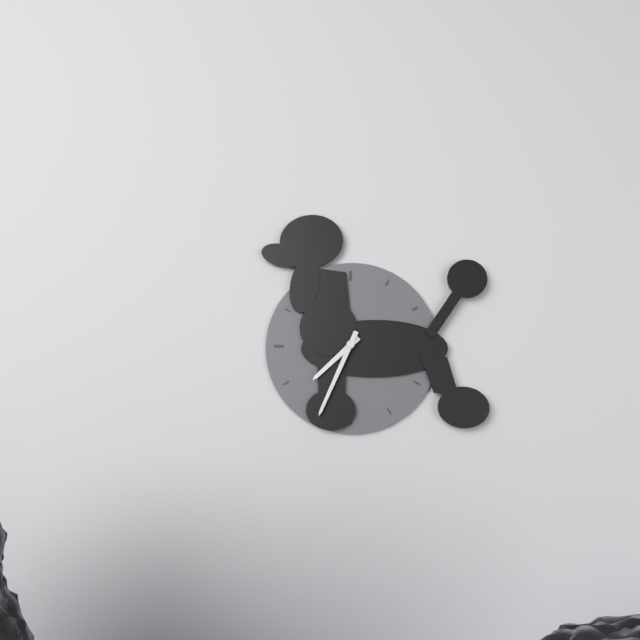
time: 7:34
